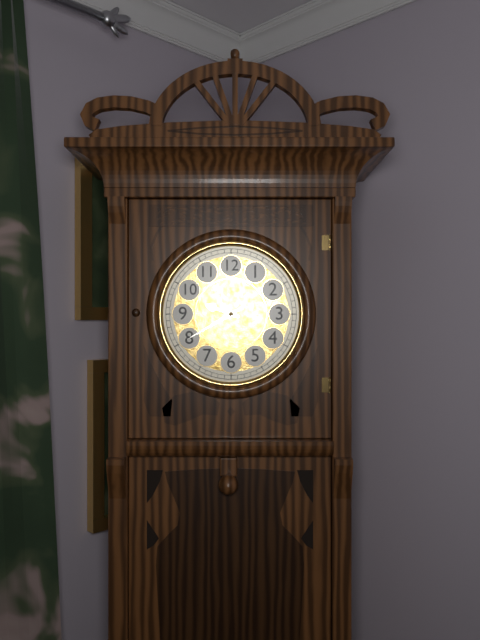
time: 9:40
